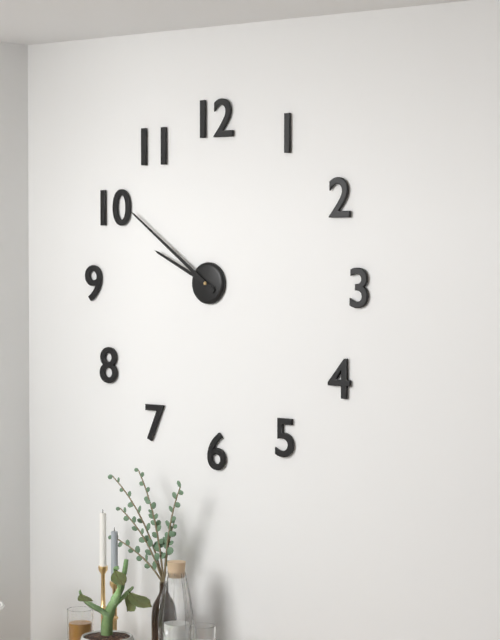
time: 9:51
